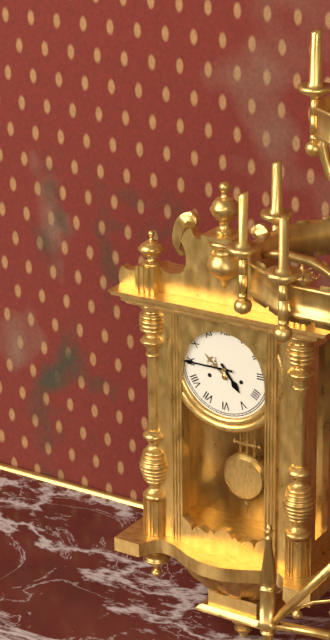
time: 4:45
